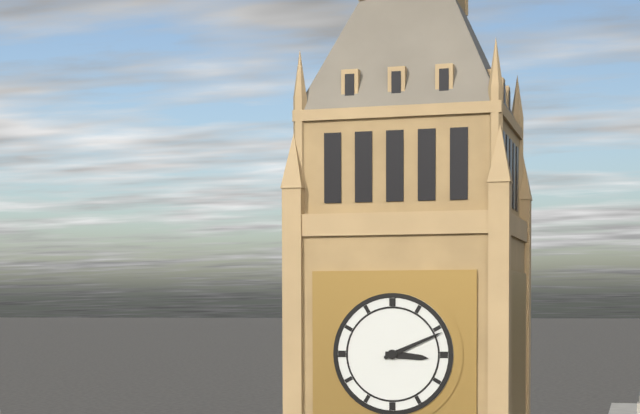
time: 3:11
